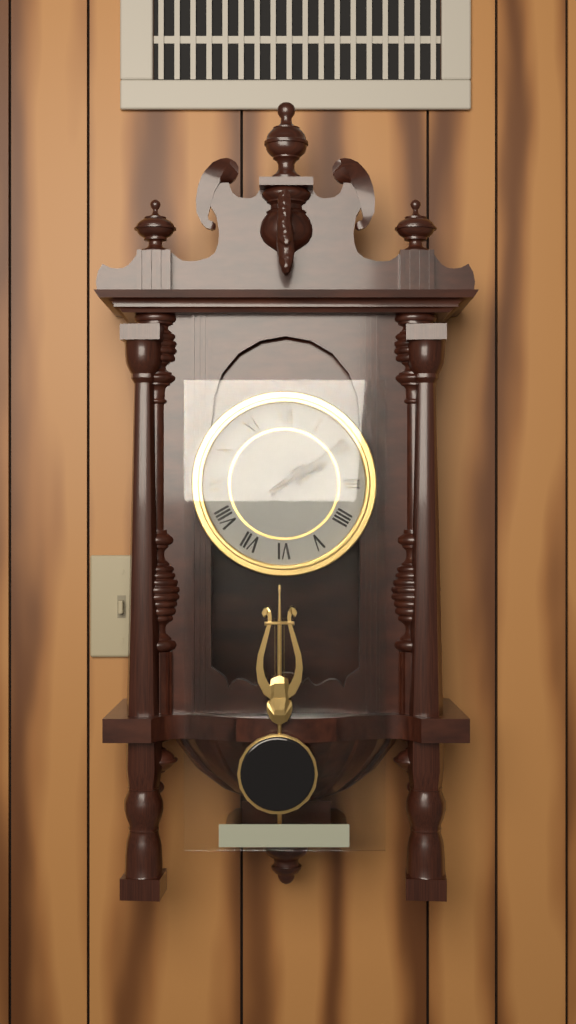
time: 2:09
